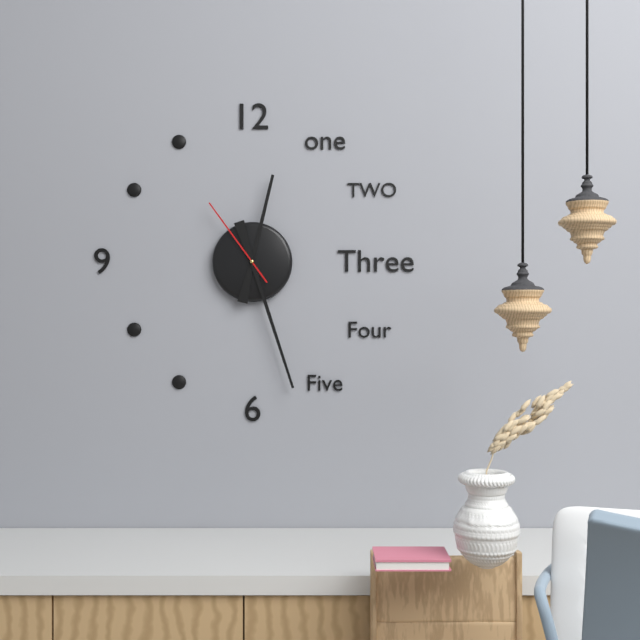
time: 12:27:54
